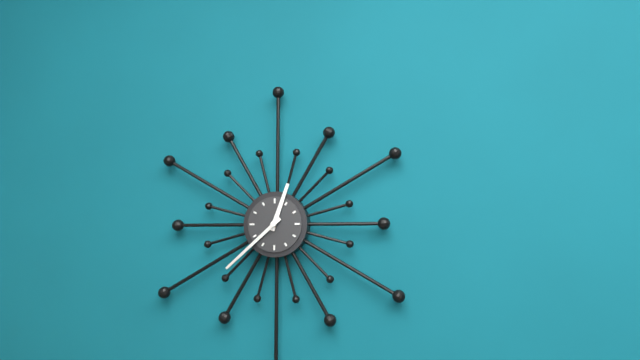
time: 12:38
